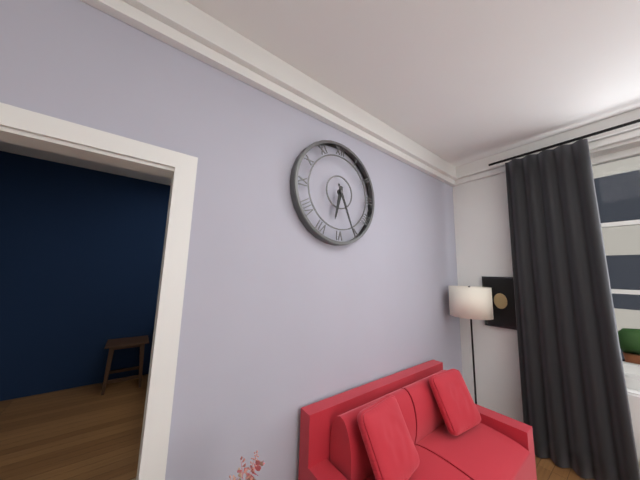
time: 6:26
